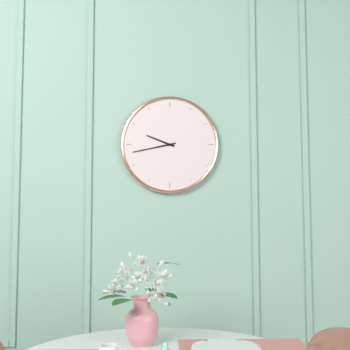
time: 9:43
